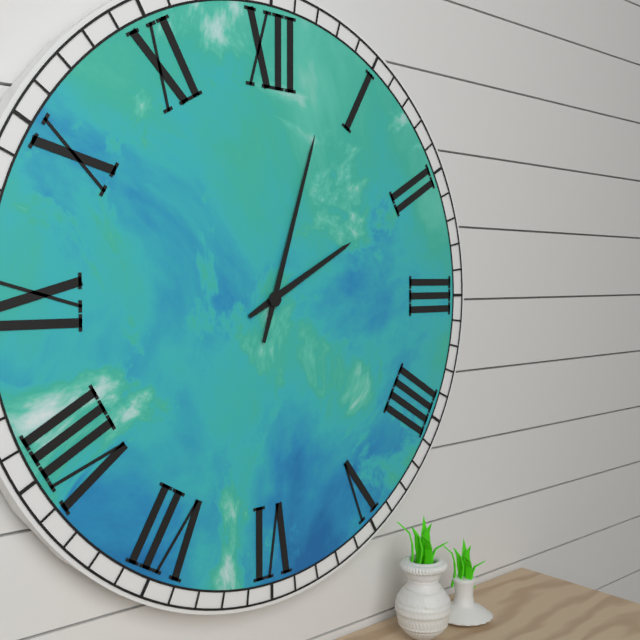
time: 2:03
